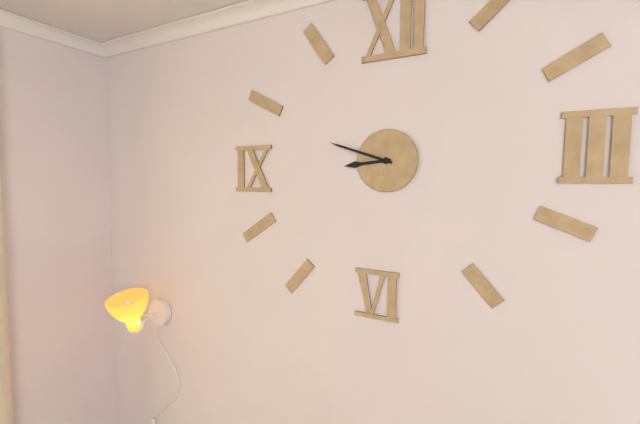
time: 8:48
